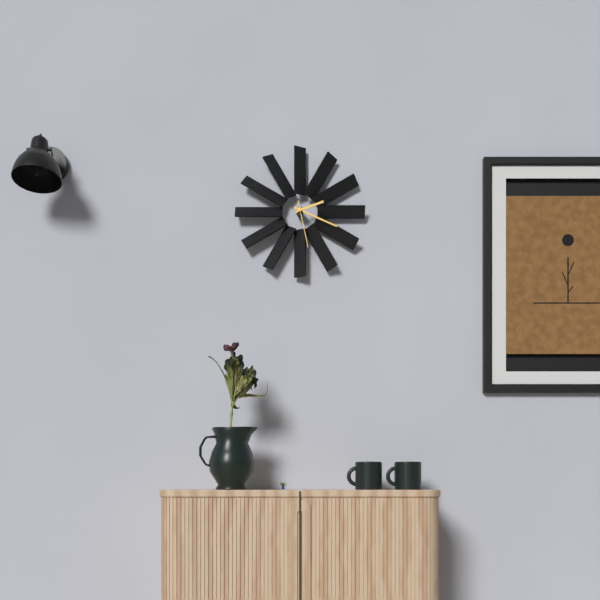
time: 2:19
